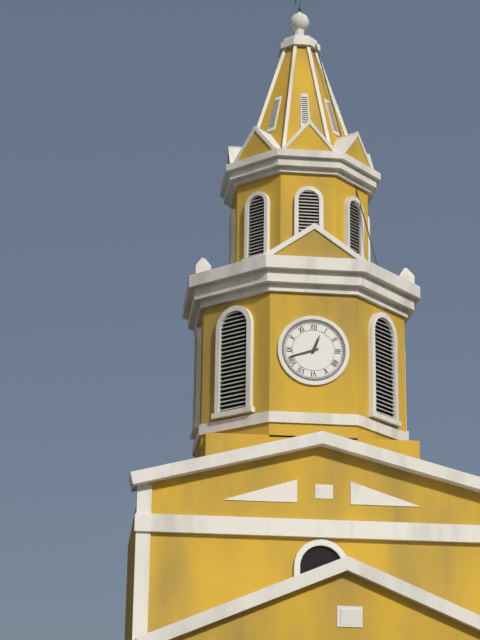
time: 12:42
